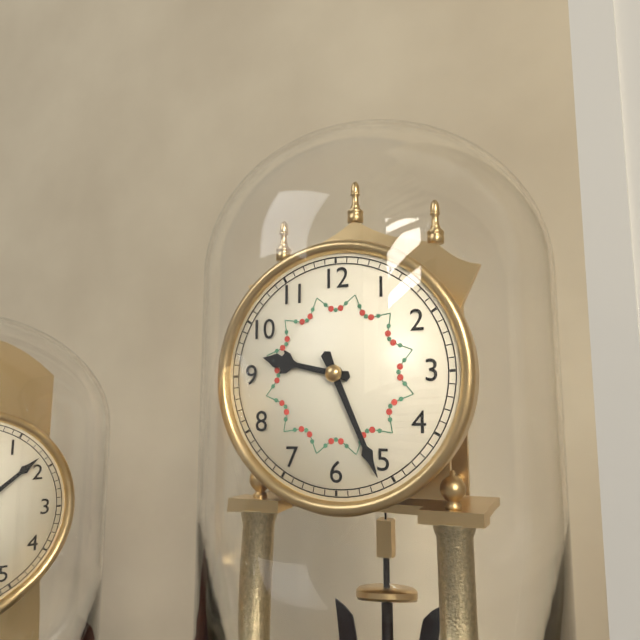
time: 9:26
